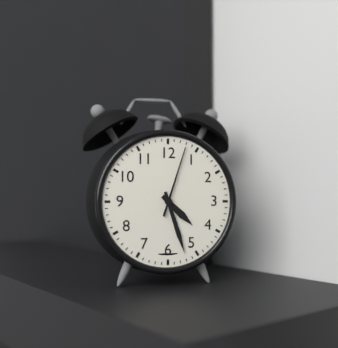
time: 4:27:03
